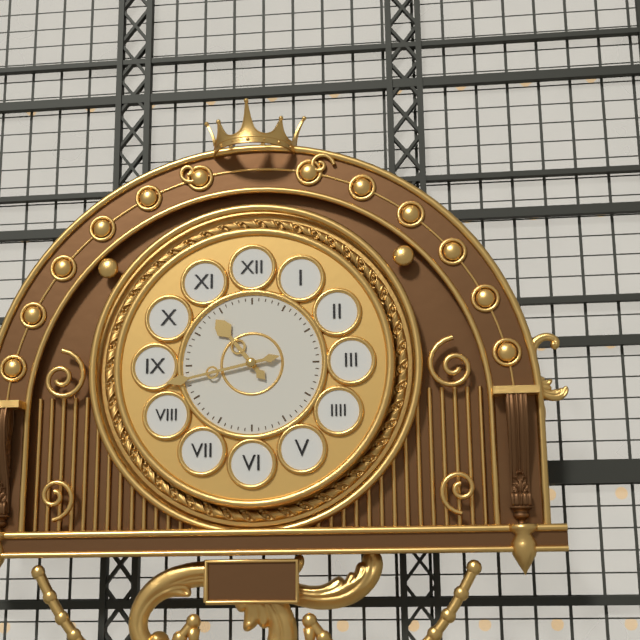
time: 10:43
